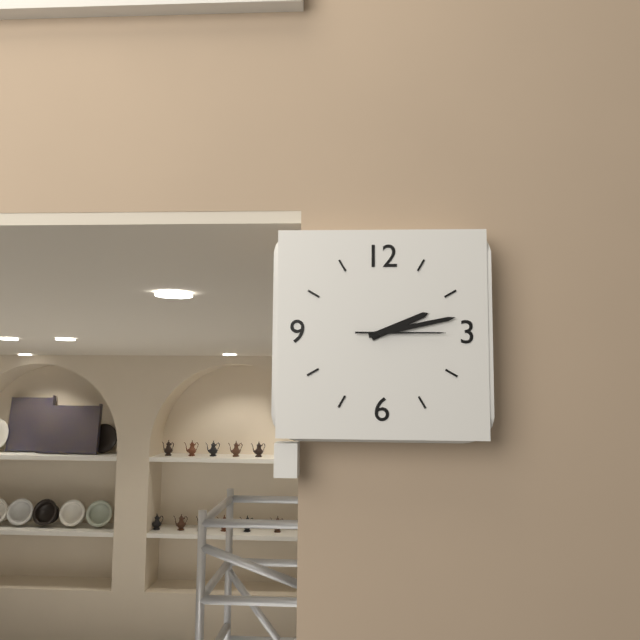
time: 2:13:15
